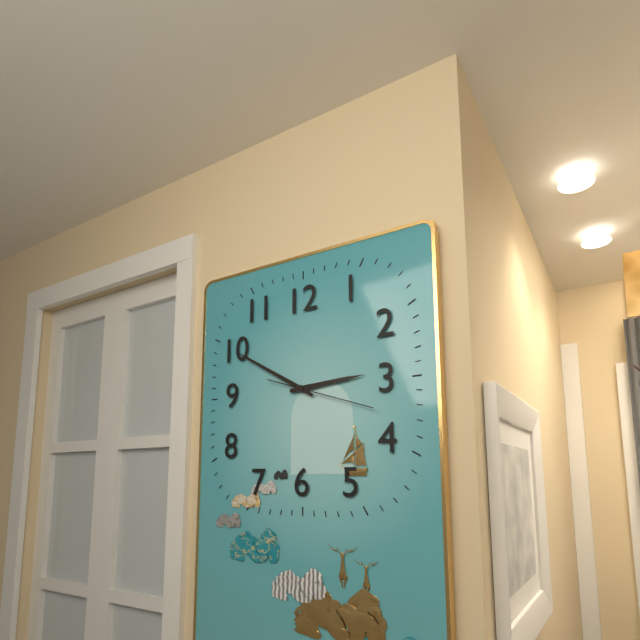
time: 2:50:18
